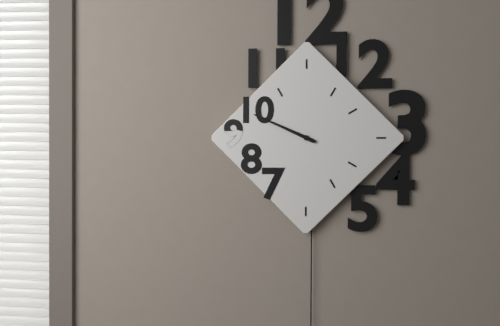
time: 9:49
